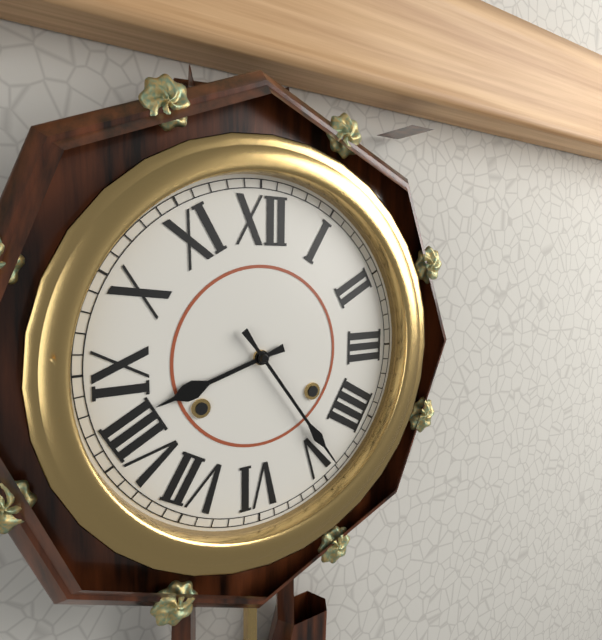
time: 8:24
